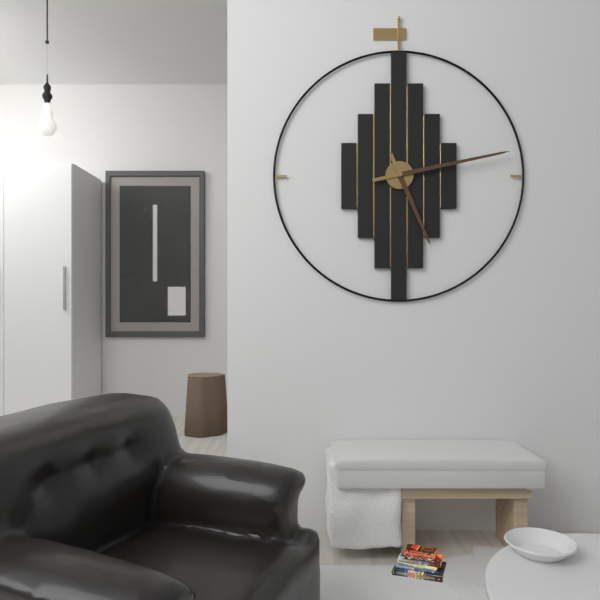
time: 5:13
